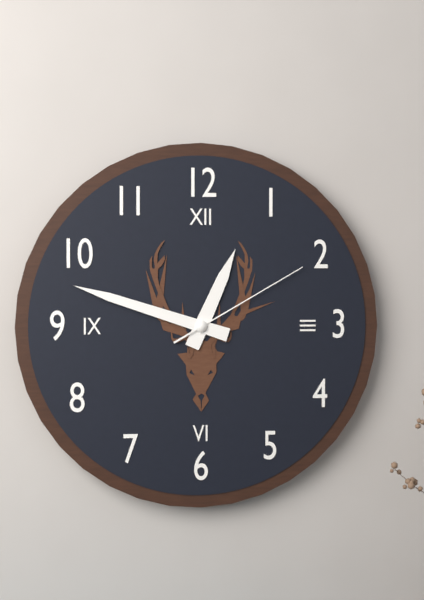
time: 12:48:10
